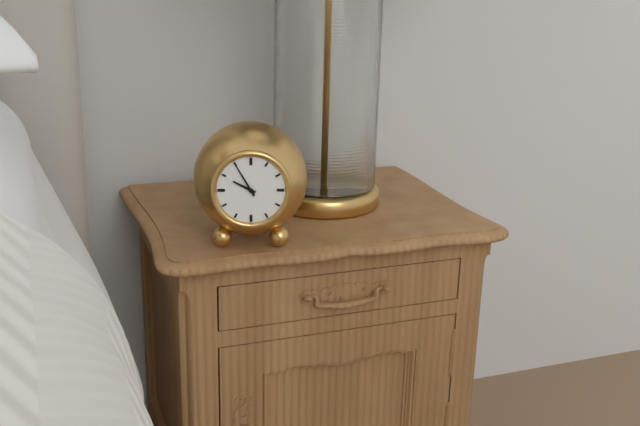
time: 9:55
